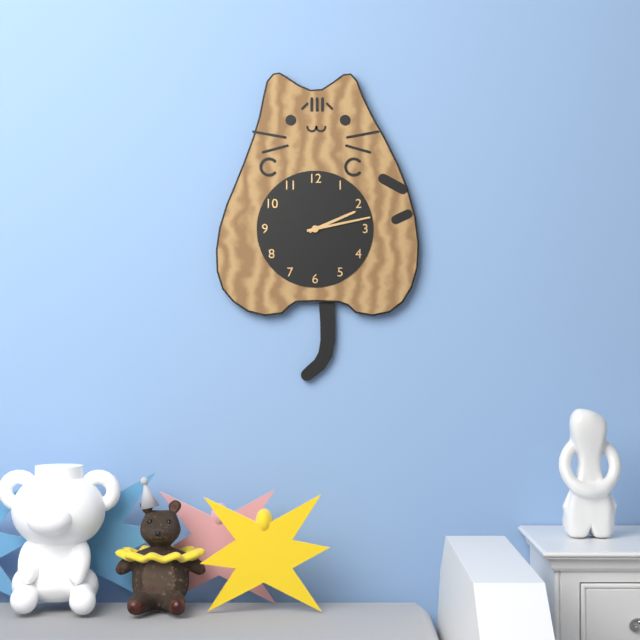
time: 2:13
